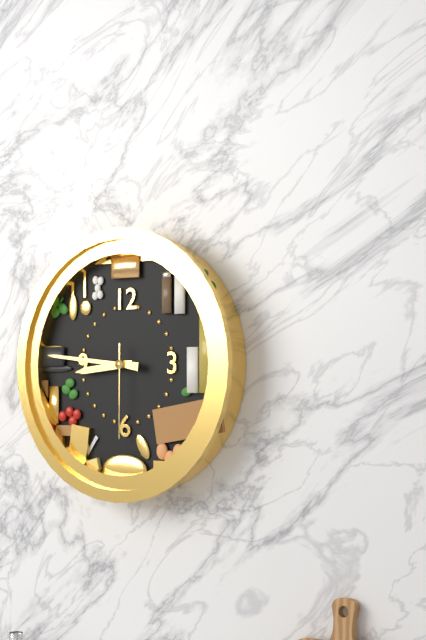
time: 8:46:30
